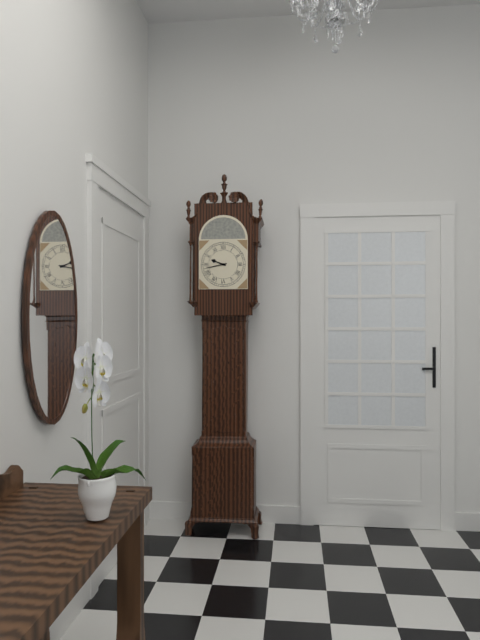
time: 9:43
